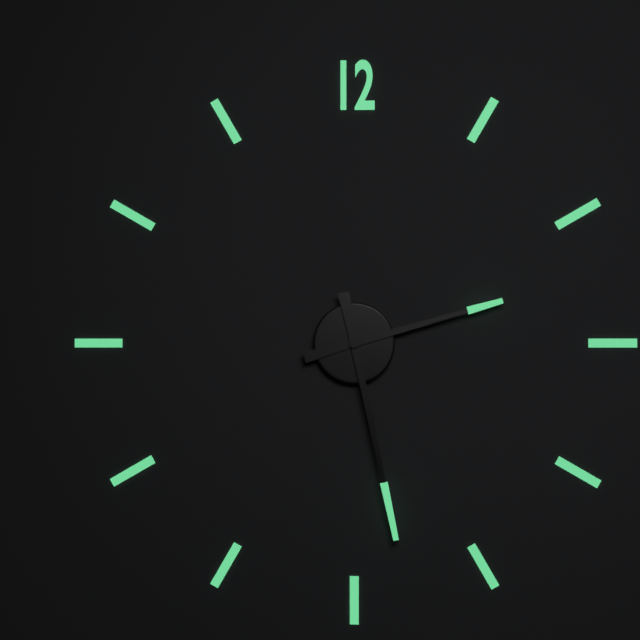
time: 2:28
